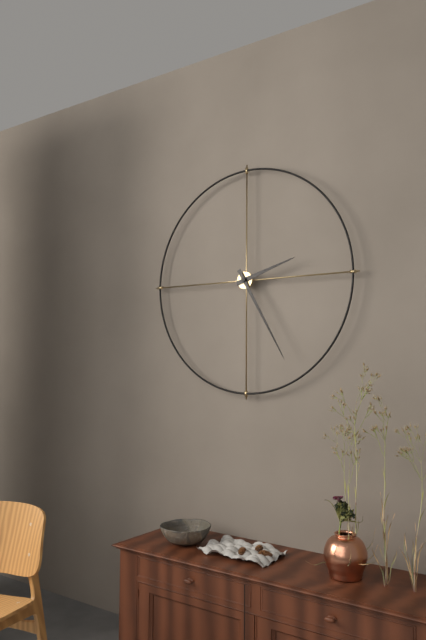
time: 2:25
